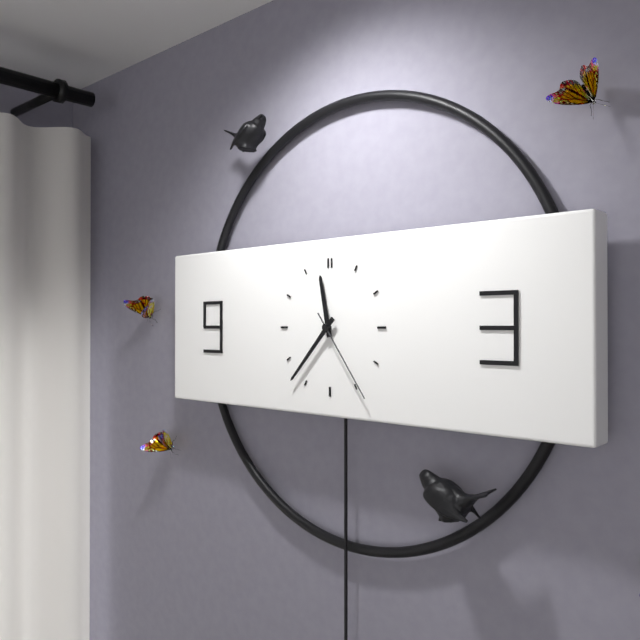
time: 11:37:24
